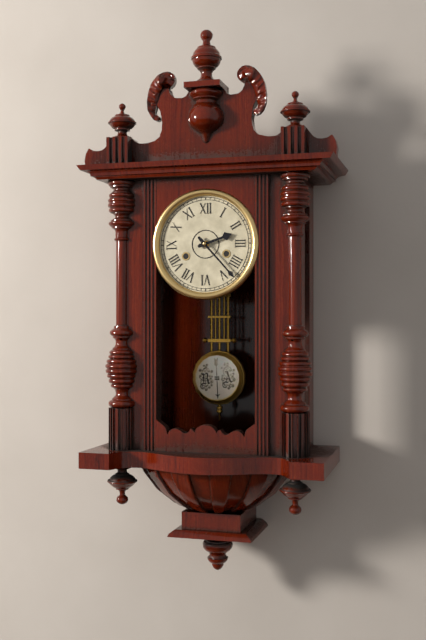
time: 2:23
